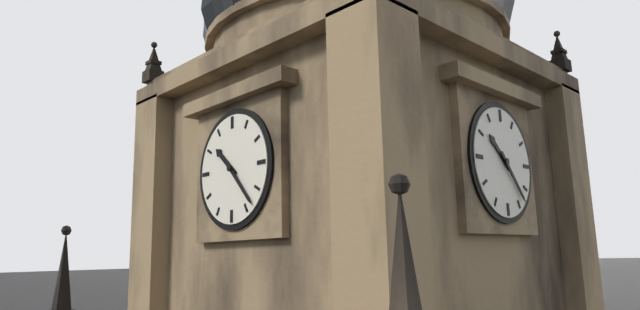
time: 10:23
